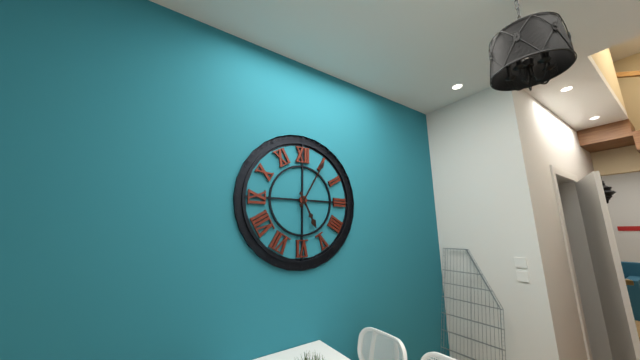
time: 5:05
